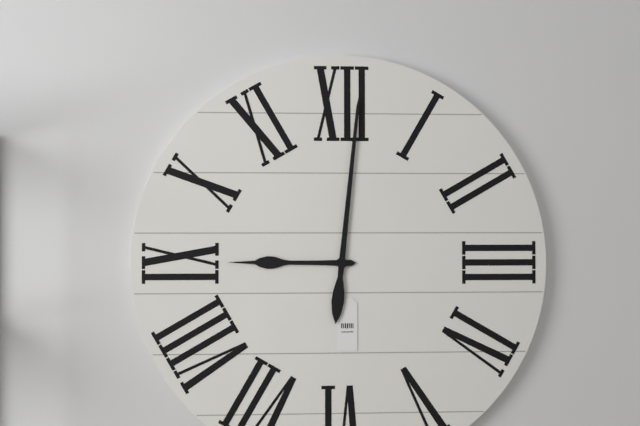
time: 9:01
